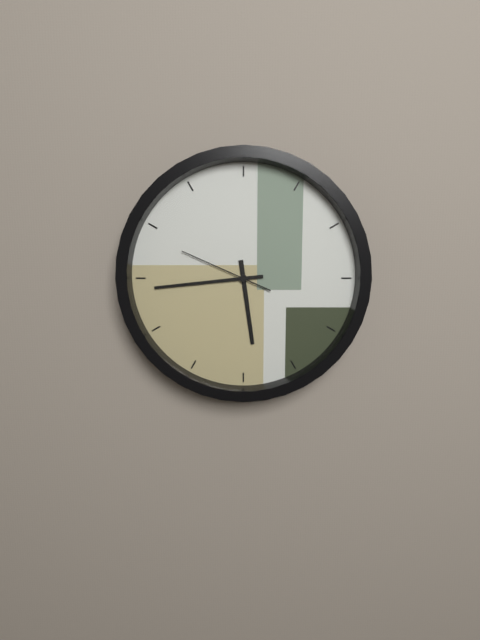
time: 5:44:49
